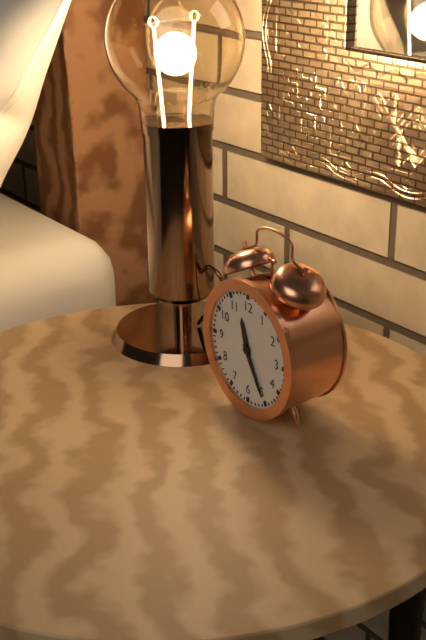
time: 11:25
